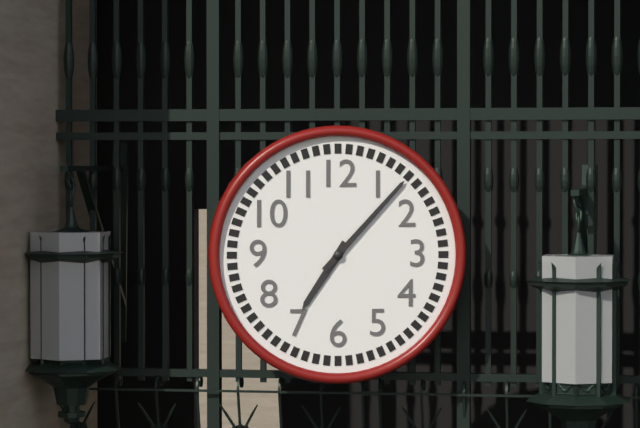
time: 7:07
